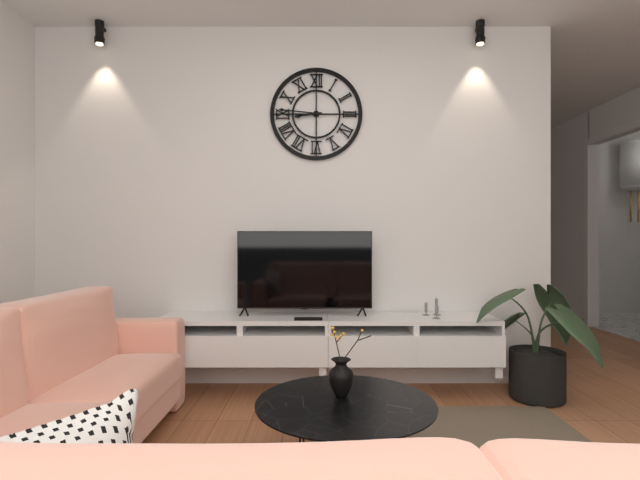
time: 8:46
